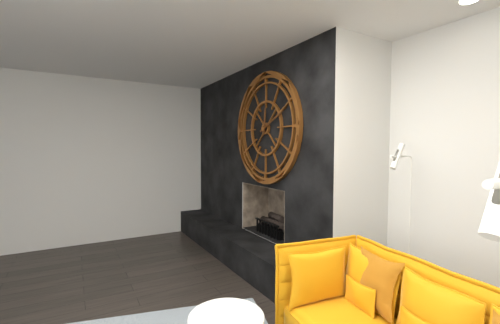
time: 12:11
